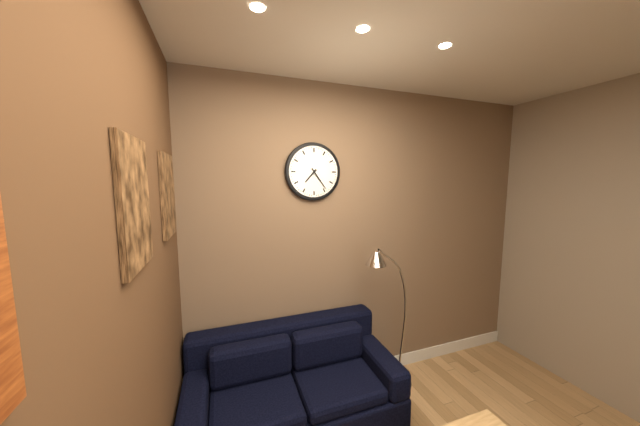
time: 7:24
